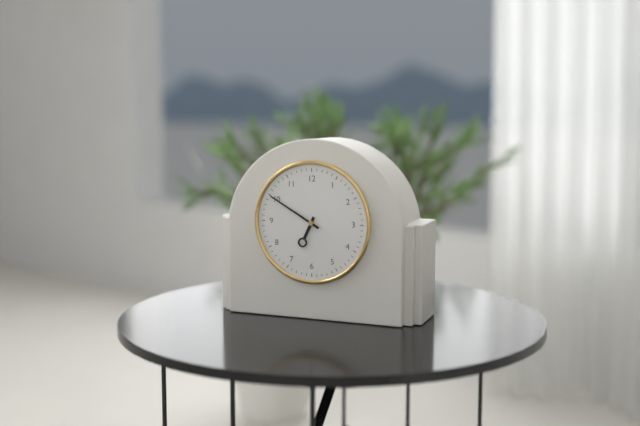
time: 6:50
